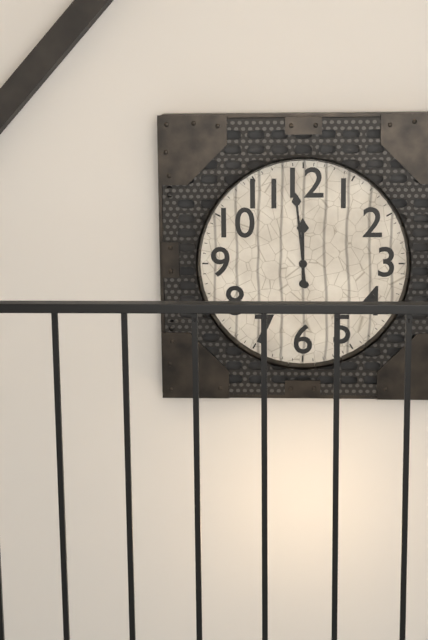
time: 11:59
